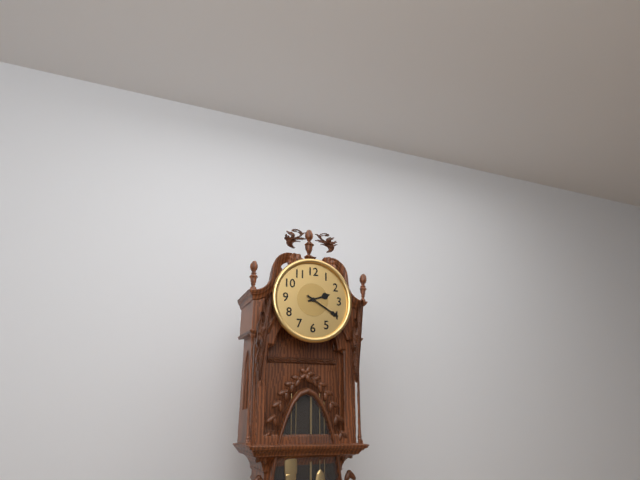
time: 2:20
